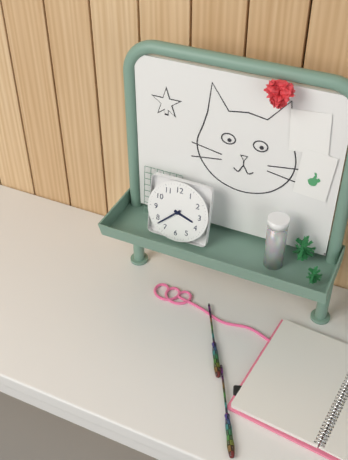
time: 3:38
